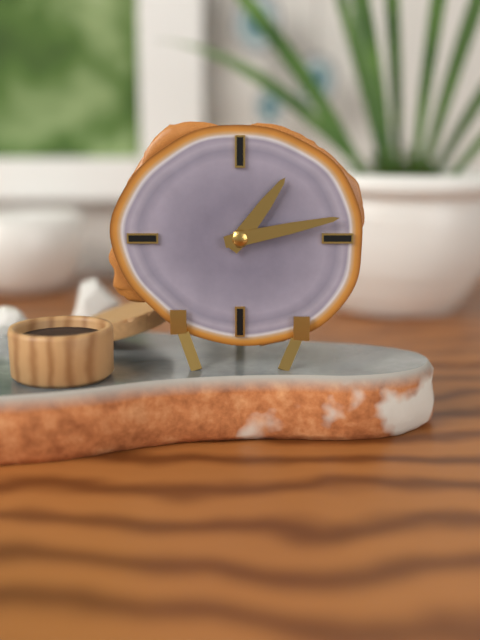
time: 1:13
